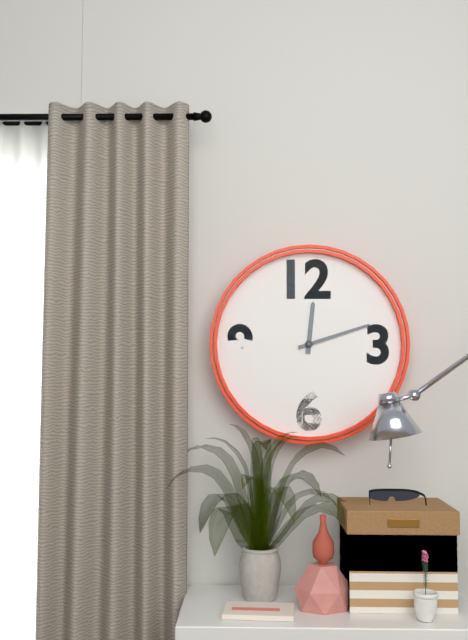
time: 12:12
